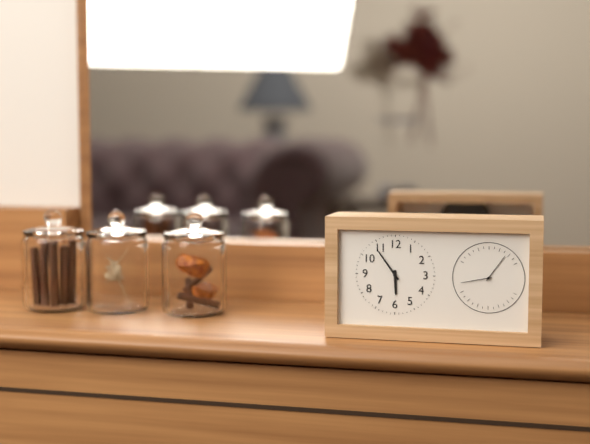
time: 5:54
